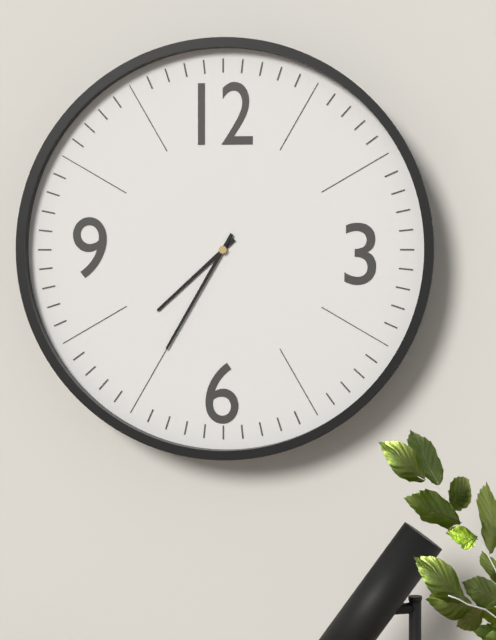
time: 7:35
